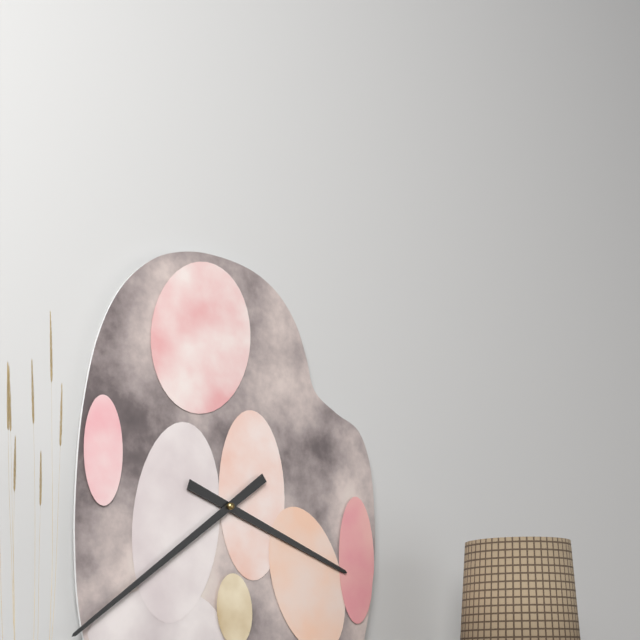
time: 3:39
